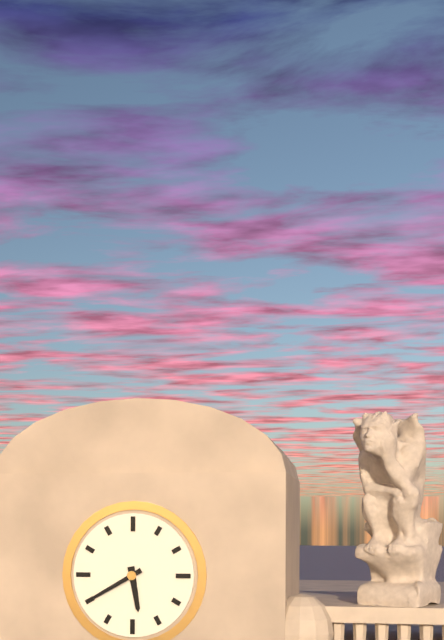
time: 5:40
